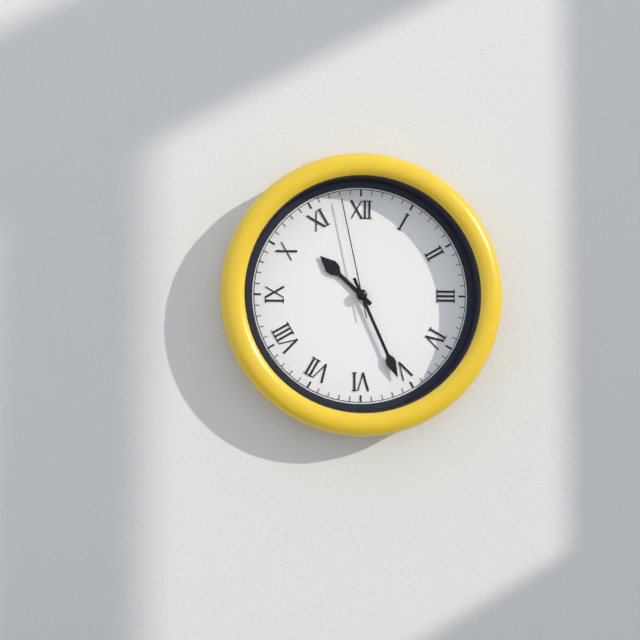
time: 10:26:58
